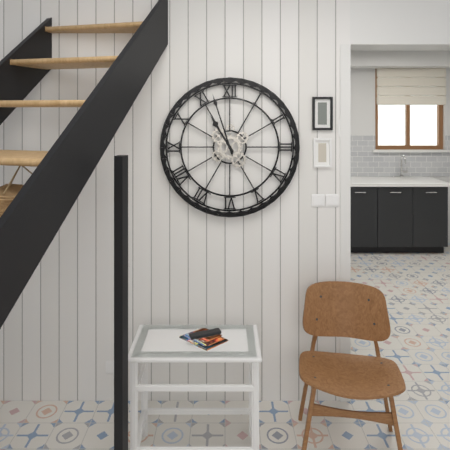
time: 10:57
